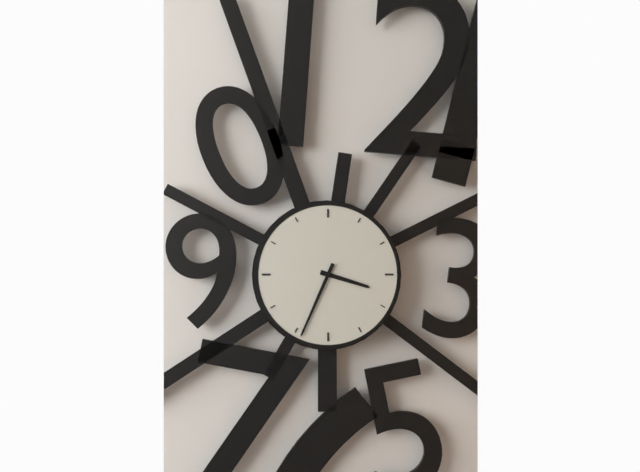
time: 3:34
